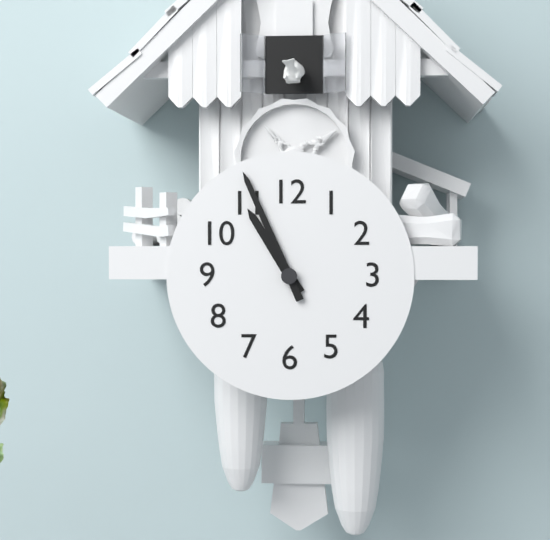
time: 10:56
